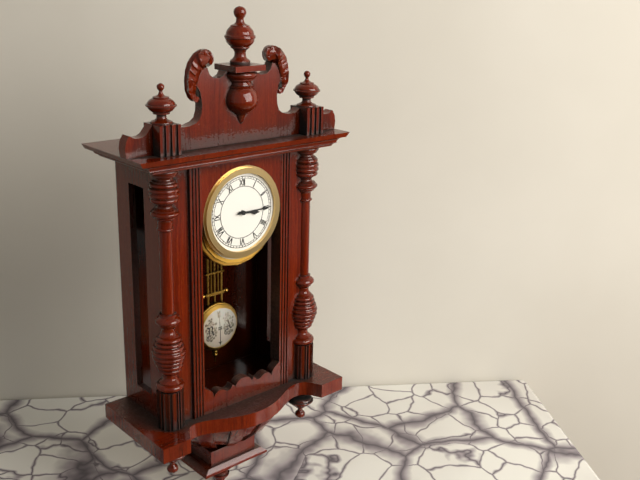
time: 3:15
